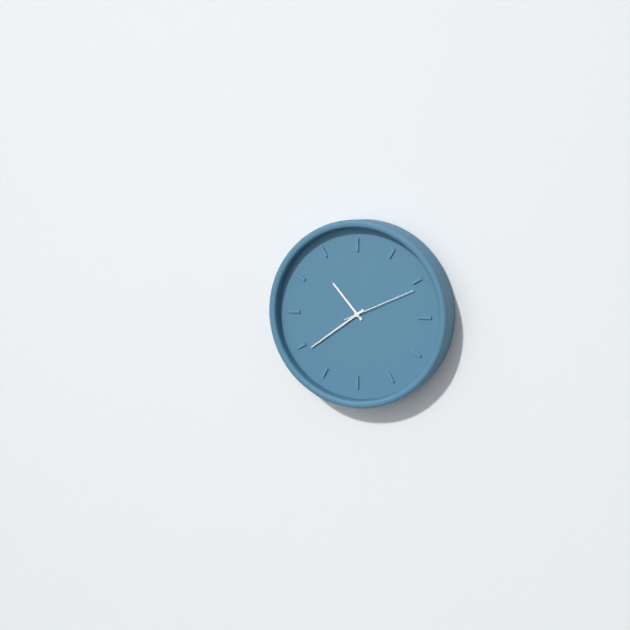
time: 10:39:11
